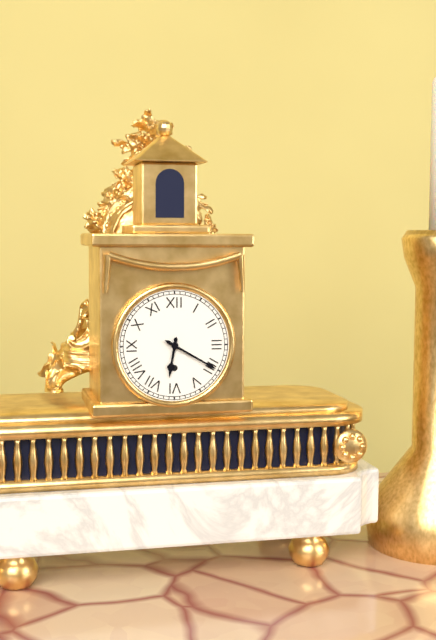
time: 6:20
